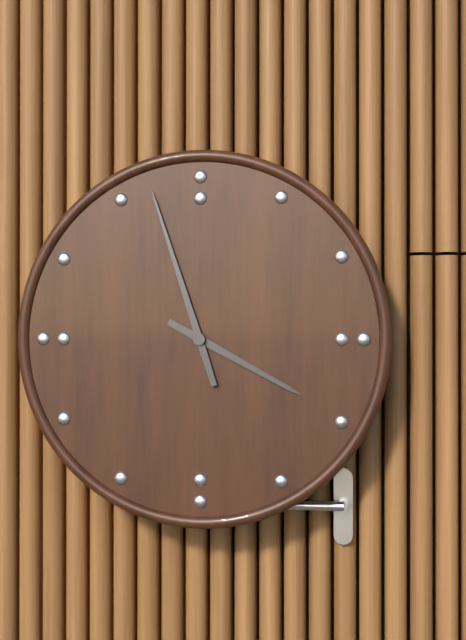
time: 3:57
